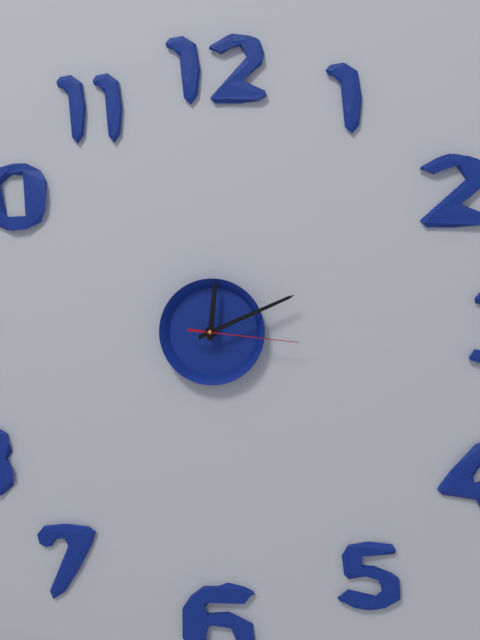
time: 12:11:16
